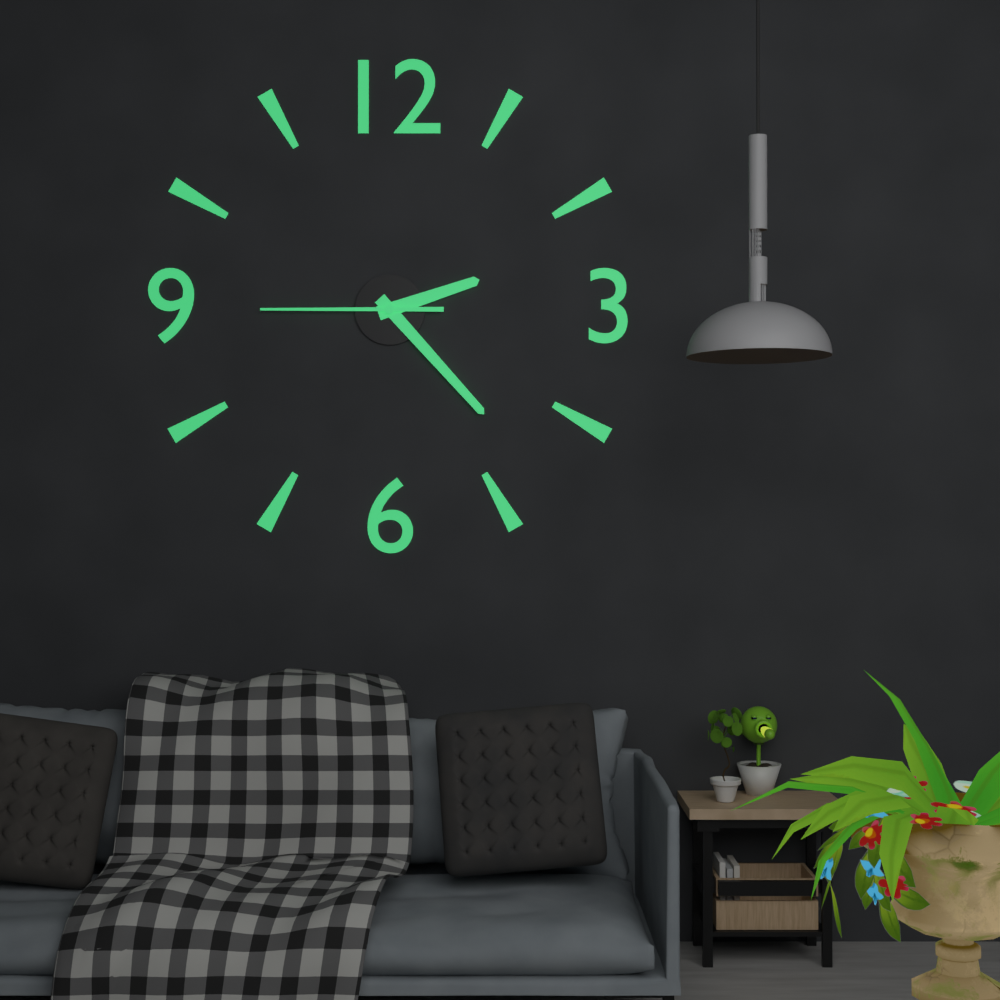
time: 2:23:45
